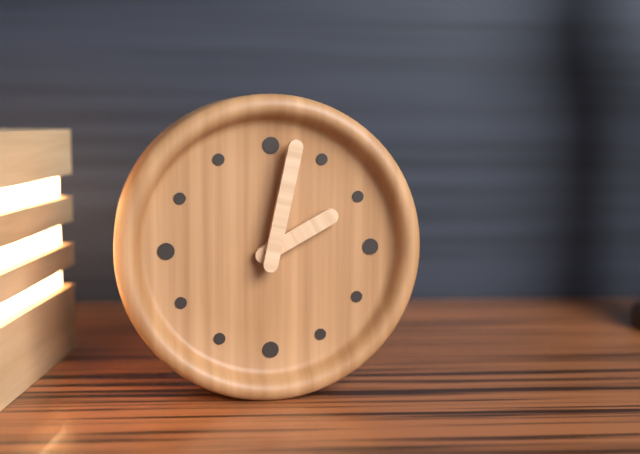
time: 2:02
